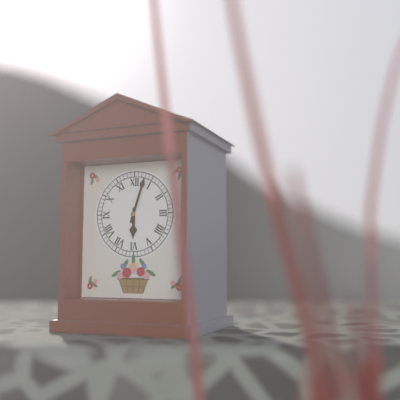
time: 6:03
